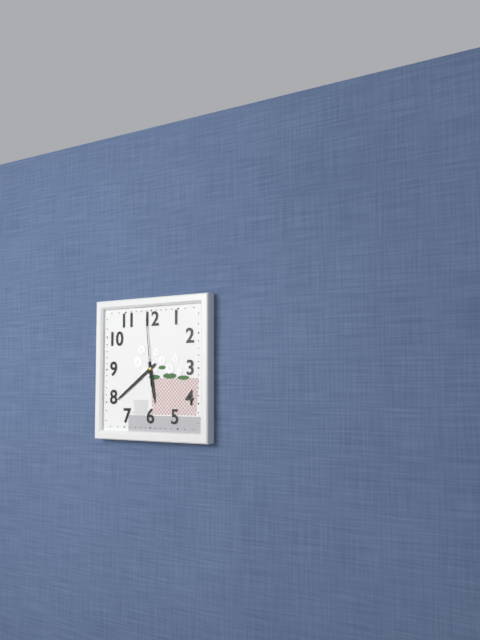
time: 5:39:59
